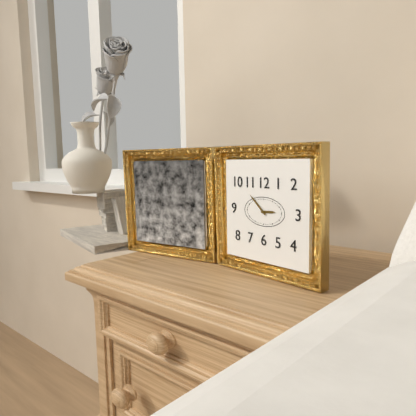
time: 2:52
